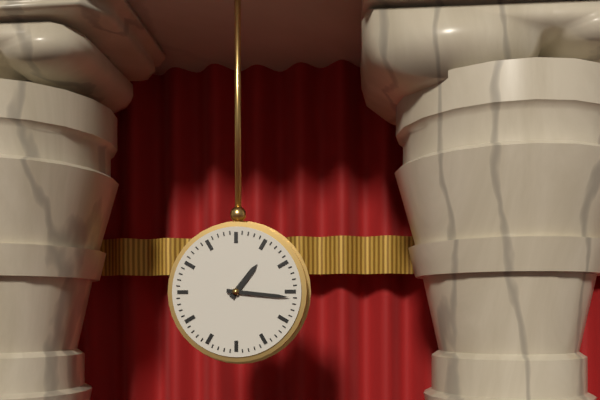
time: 1:16
